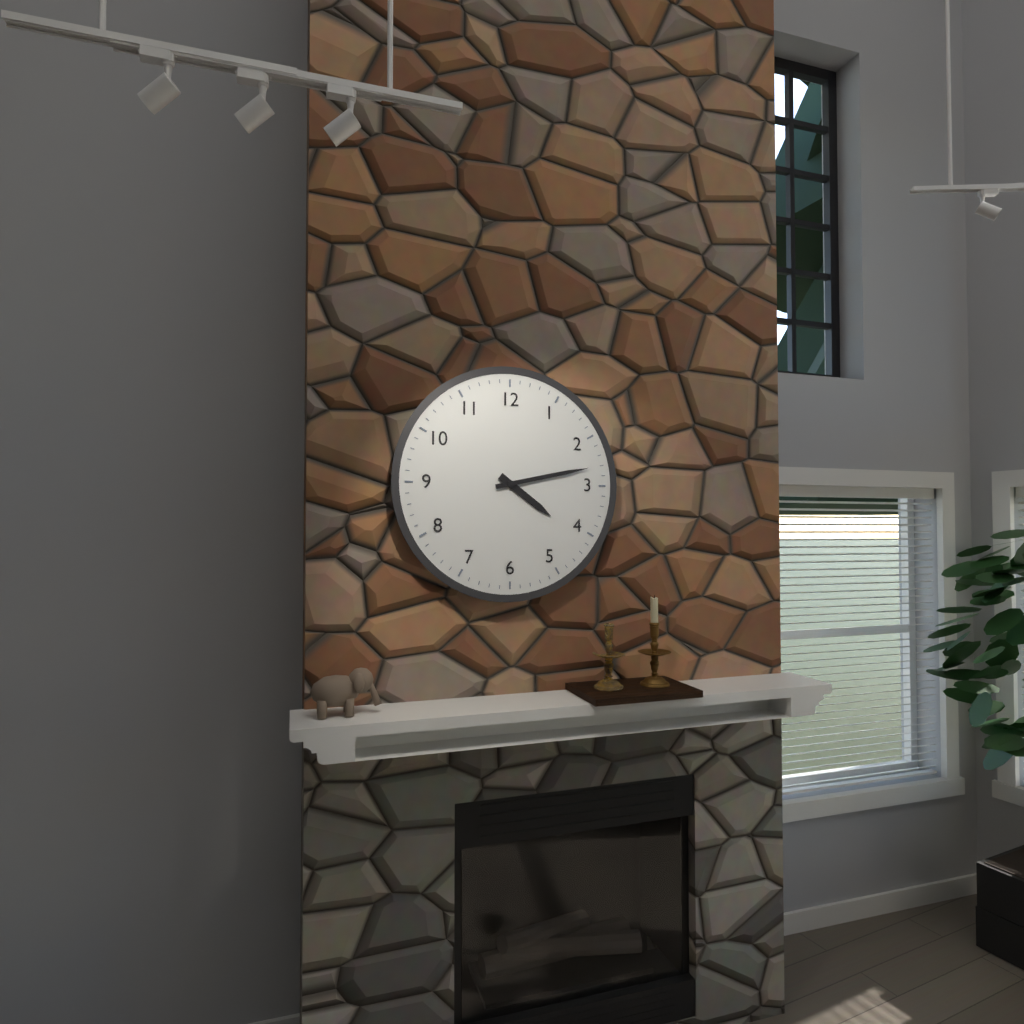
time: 4:13
